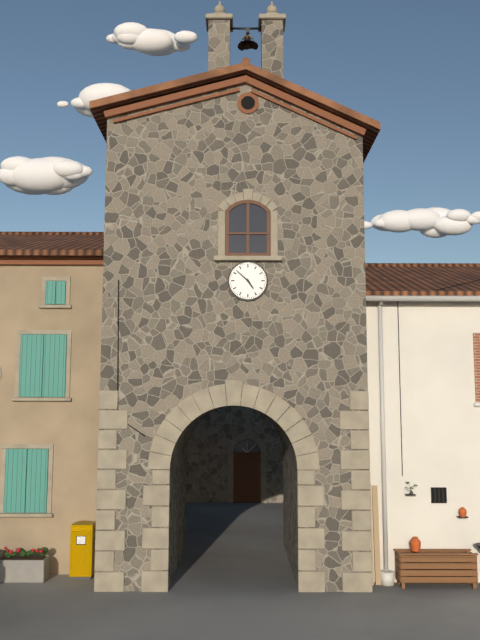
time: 4:52
